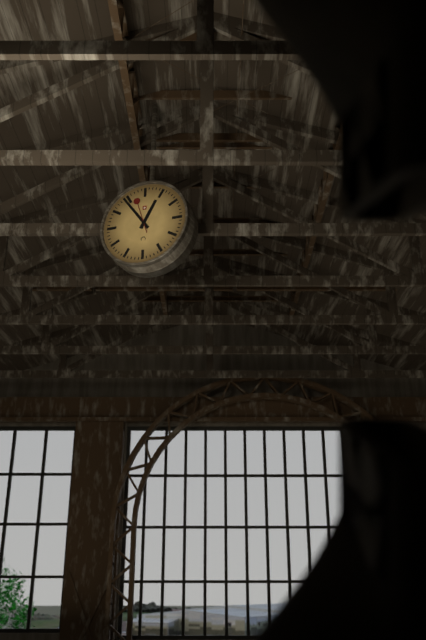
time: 12:54
